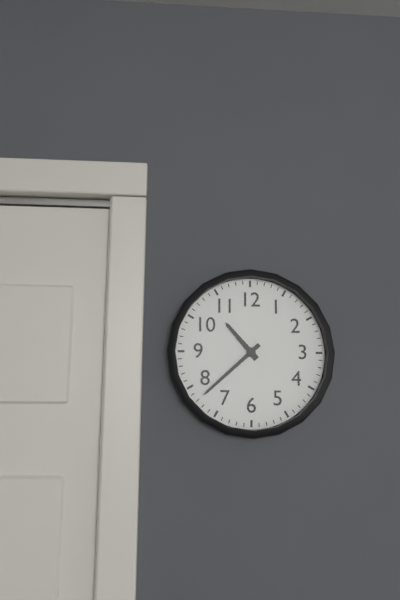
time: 10:38
